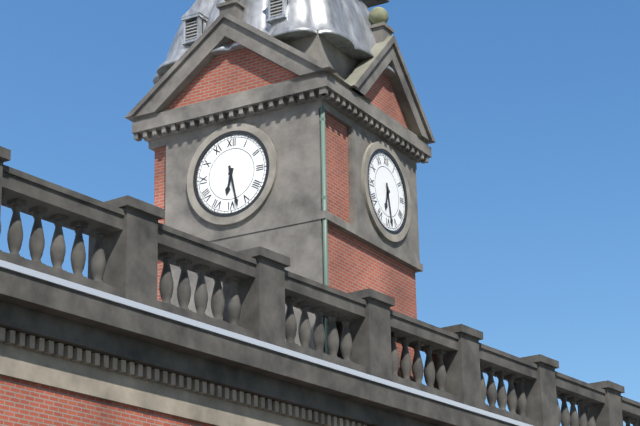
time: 6:28
